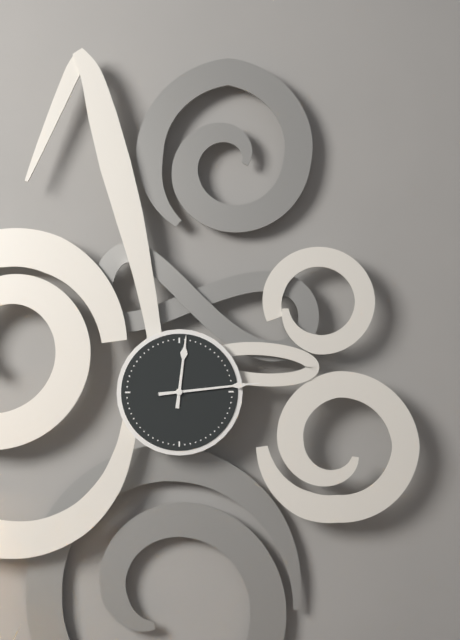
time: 12:14
